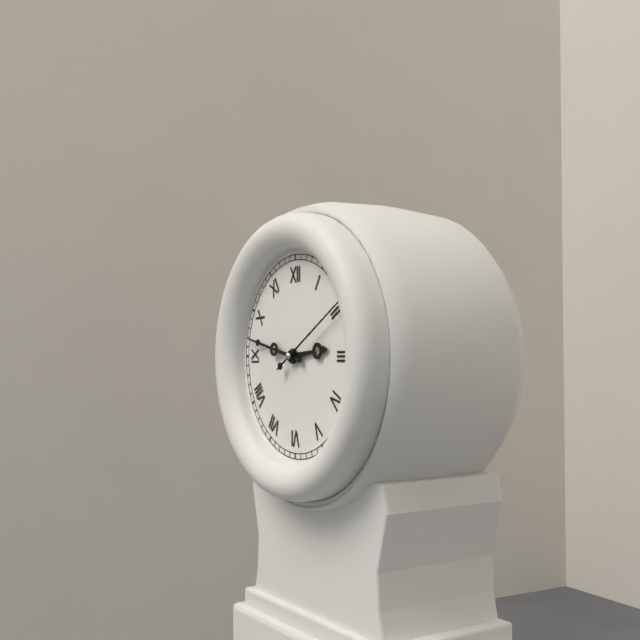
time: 2:47:10
